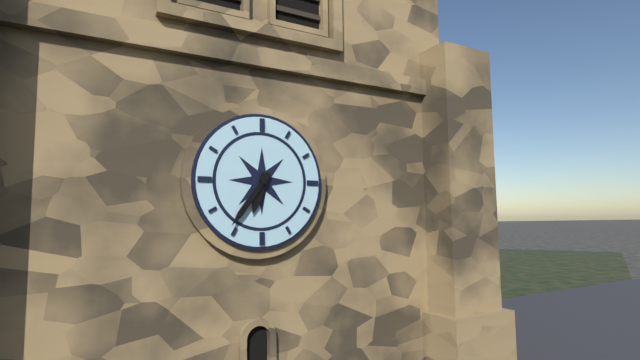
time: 6:36
